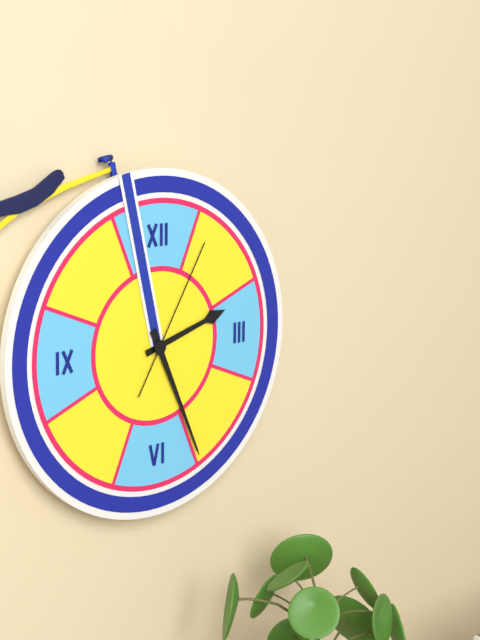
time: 2:26:05
